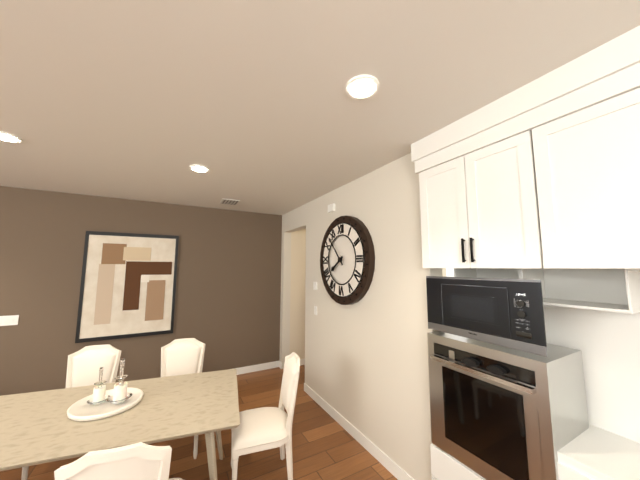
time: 7:53
